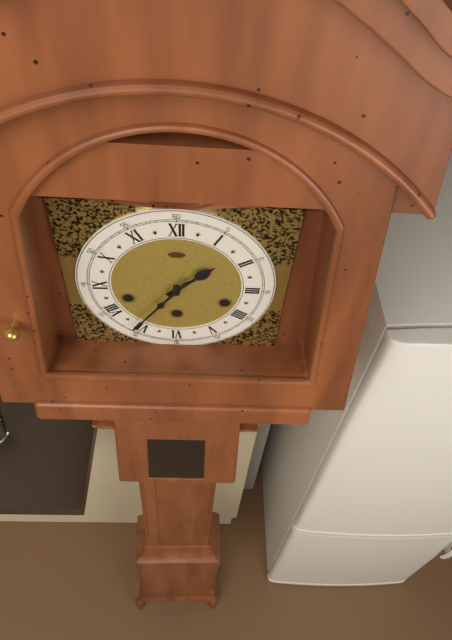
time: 1:36
